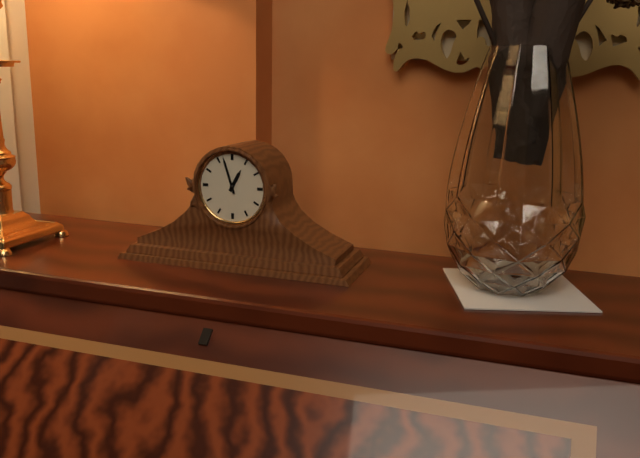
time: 12:57
